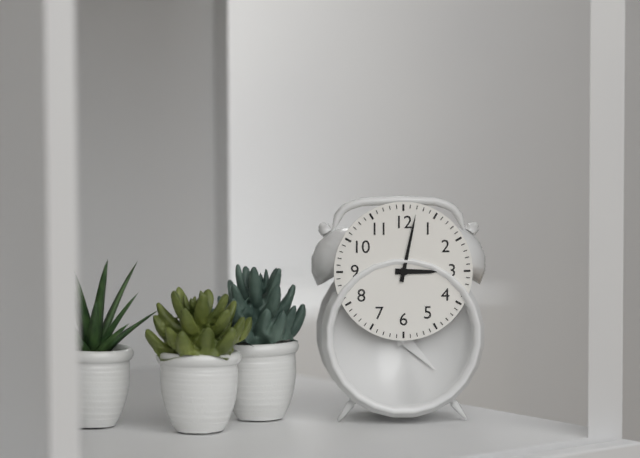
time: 3:02
